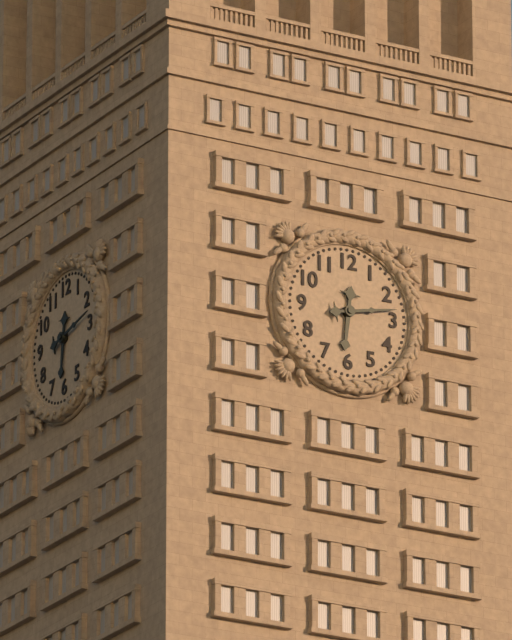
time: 6:13
